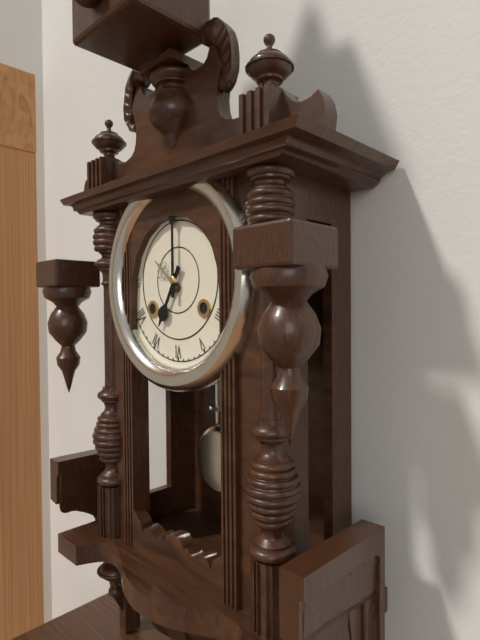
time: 7:00
